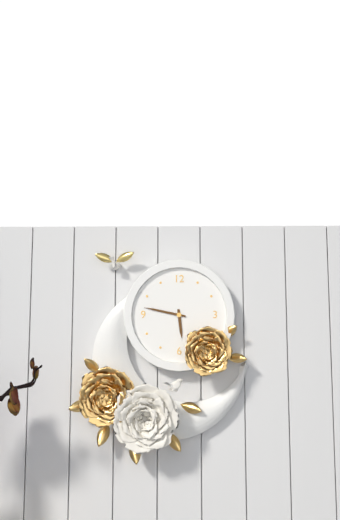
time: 5:47
